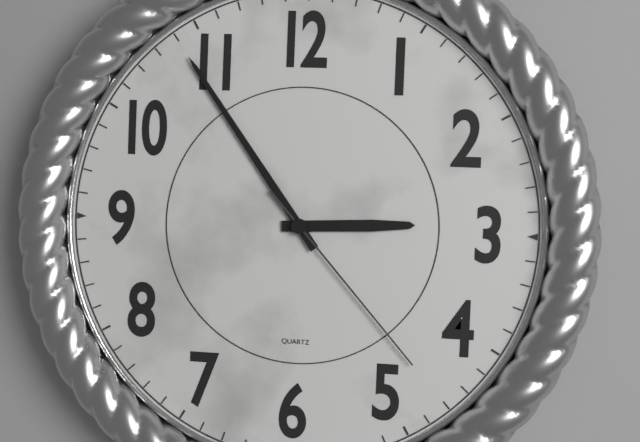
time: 2:54:23
